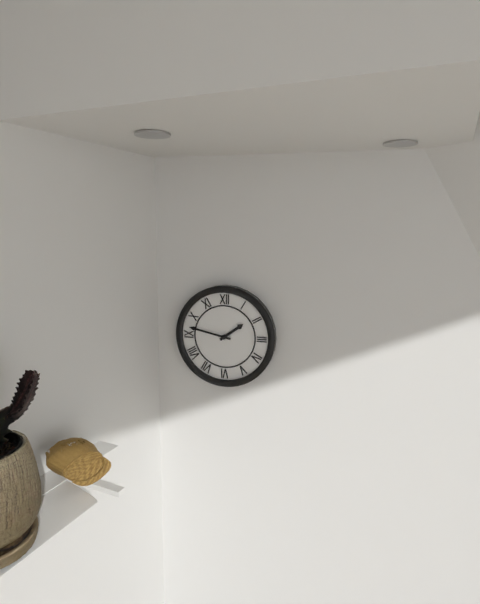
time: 1:47
